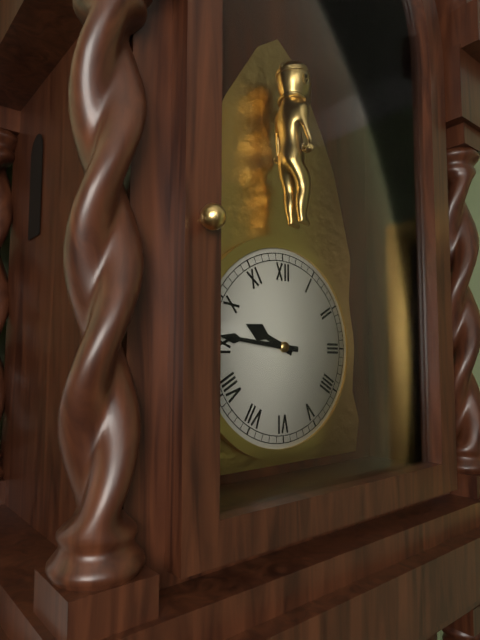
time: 9:46
